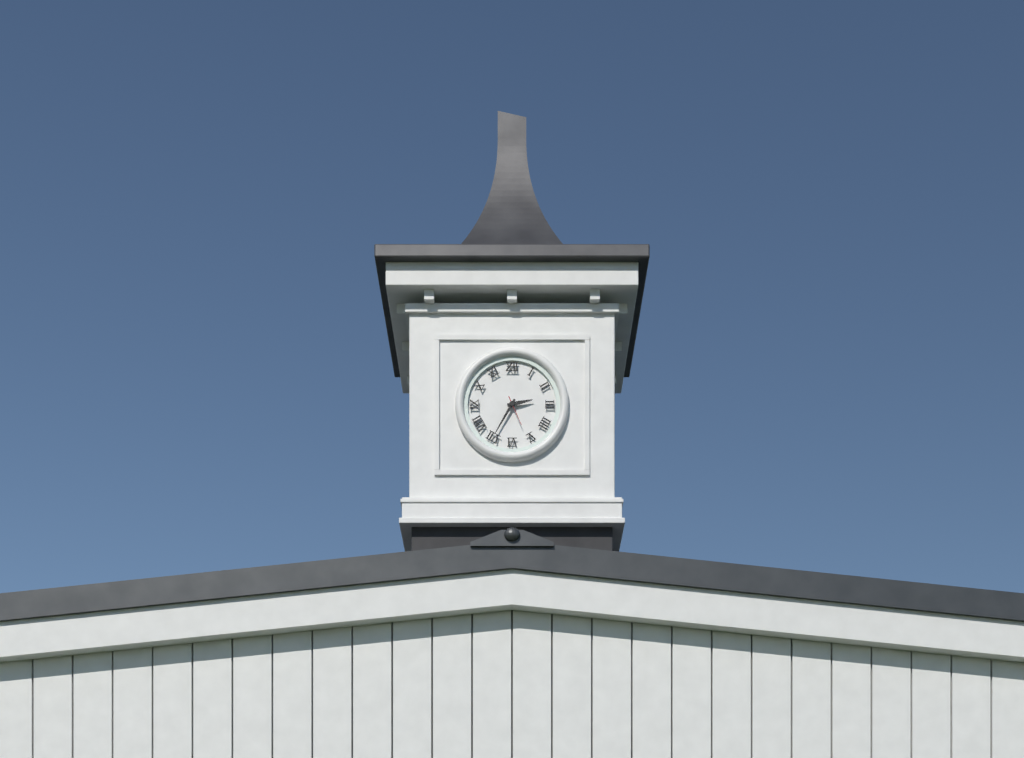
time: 2:35
